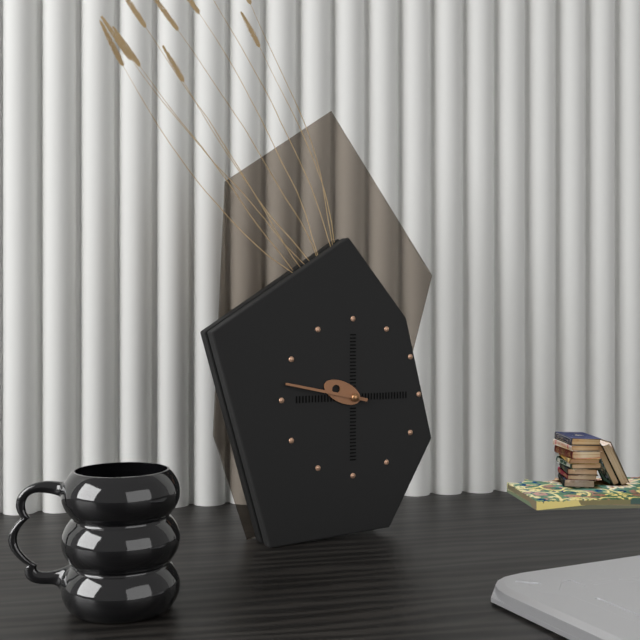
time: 9:47
